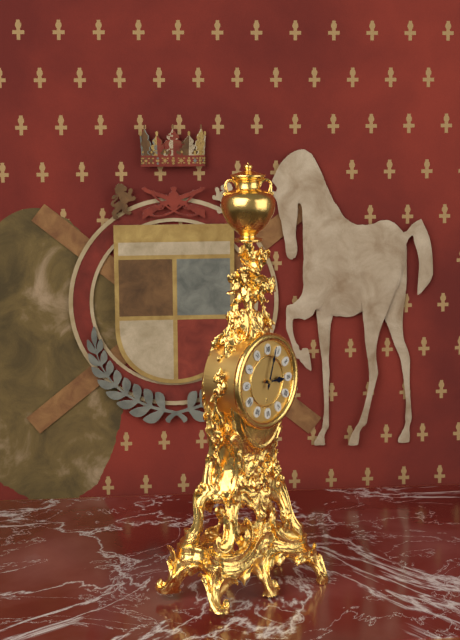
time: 3:03
